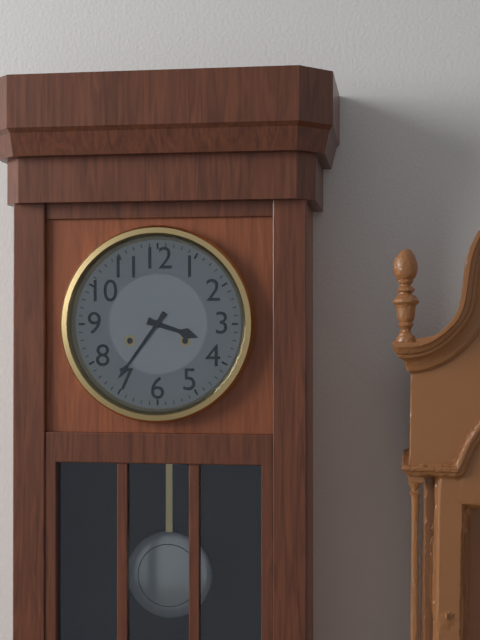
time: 3:36
